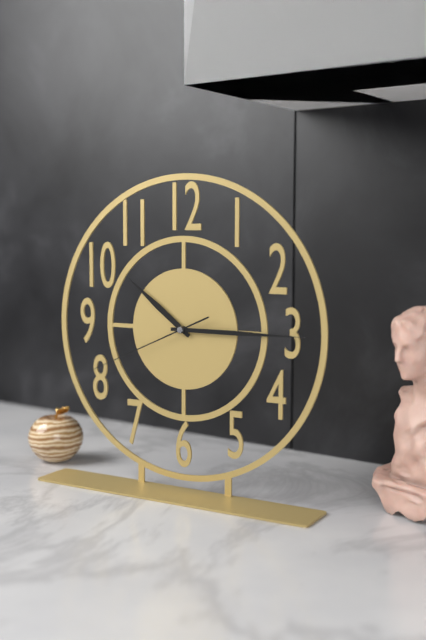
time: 10:15:41
